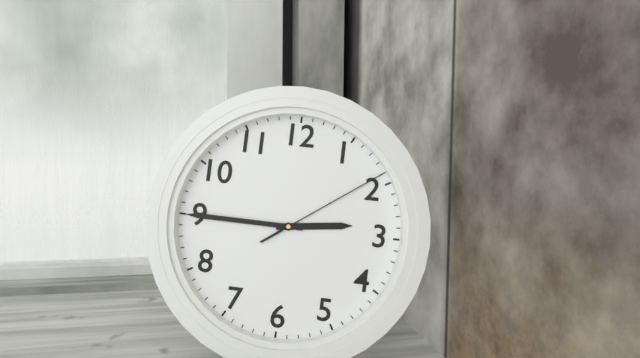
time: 2:45:09
